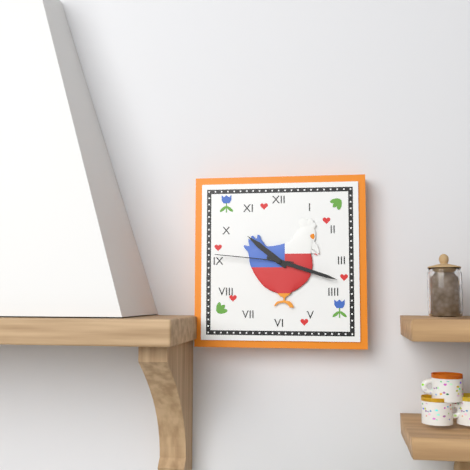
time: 10:18:46
